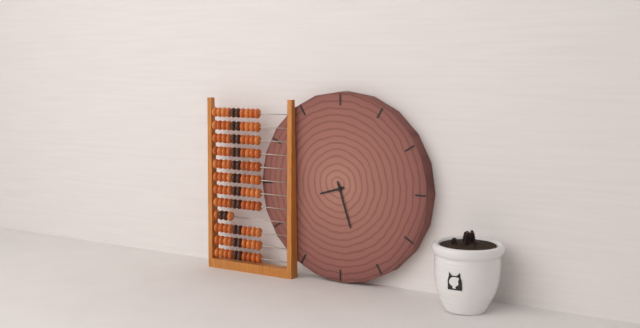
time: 8:27
